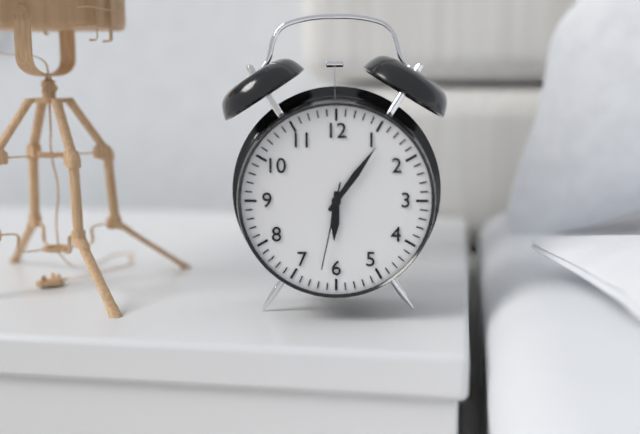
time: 6:06:32
